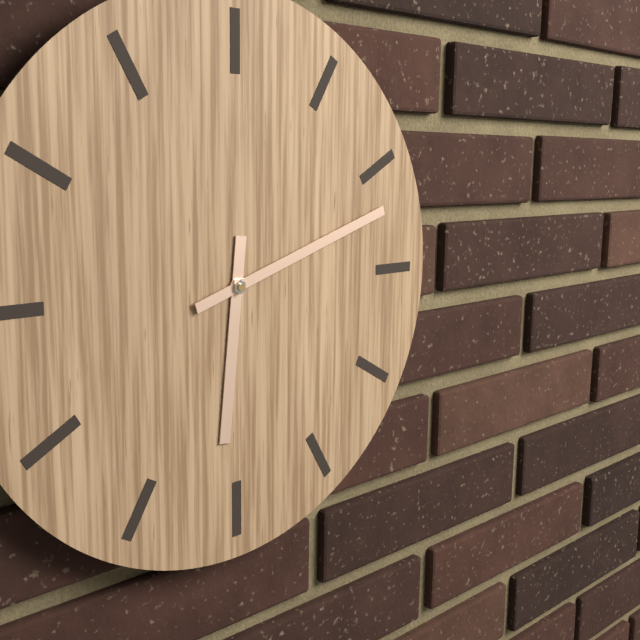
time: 6:12
